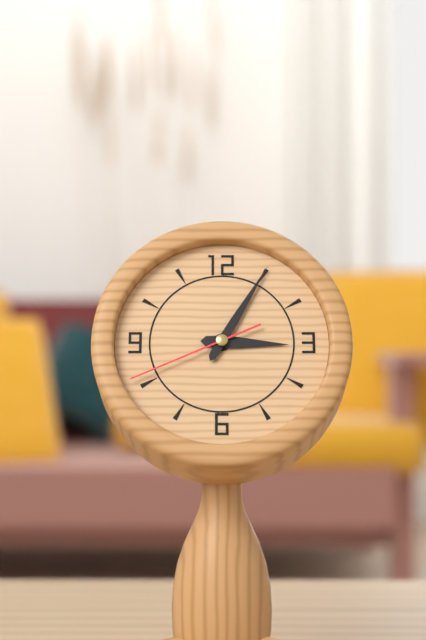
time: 3:05:41
